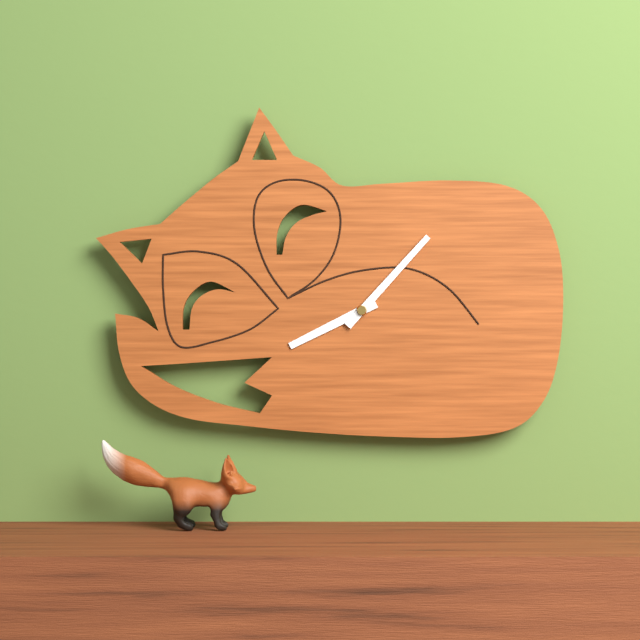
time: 8:07
